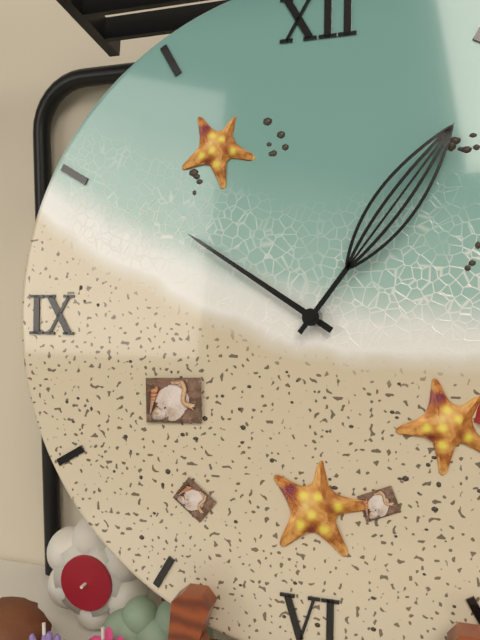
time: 10:06
